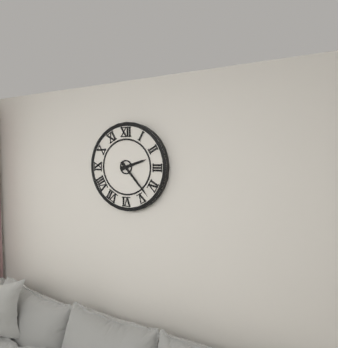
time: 2:23
